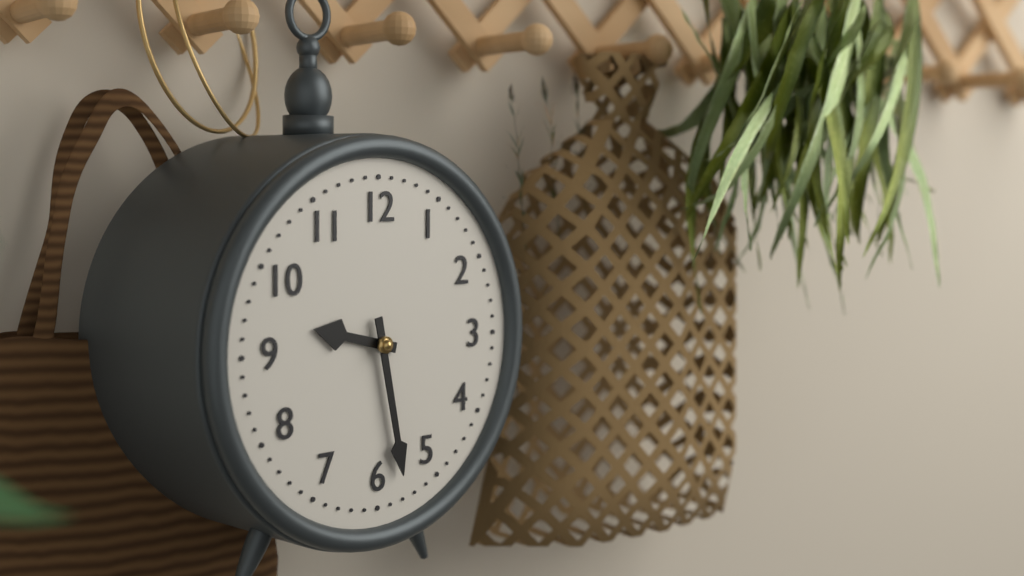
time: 9:28
